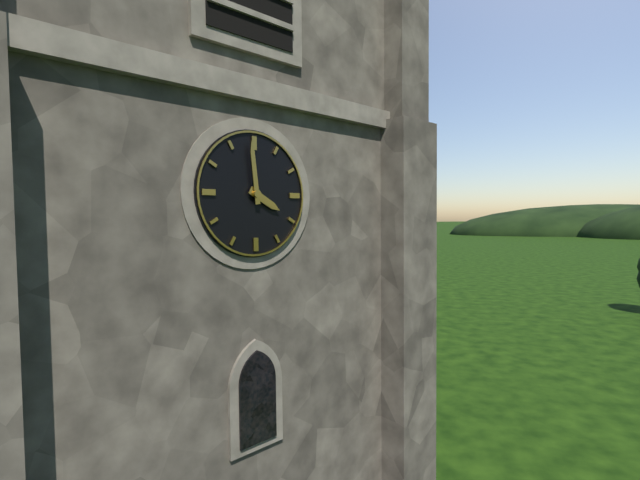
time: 3:59
